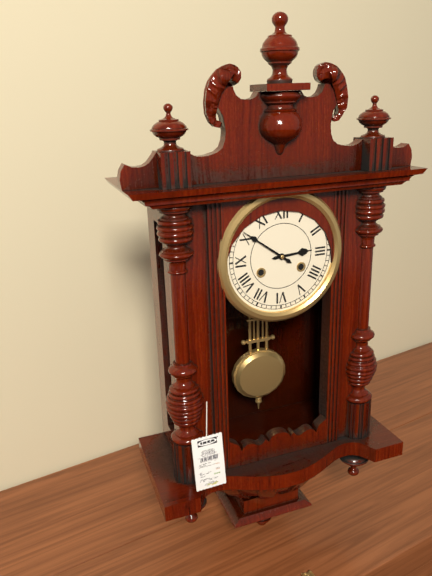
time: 2:51
